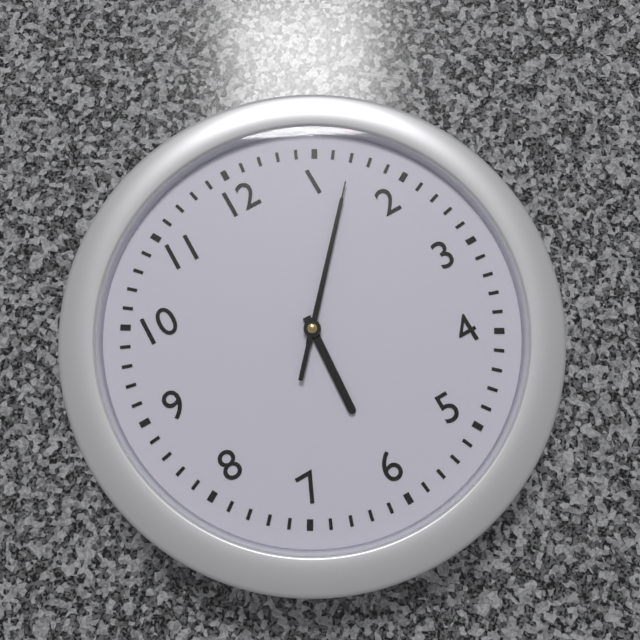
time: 6:07:07
